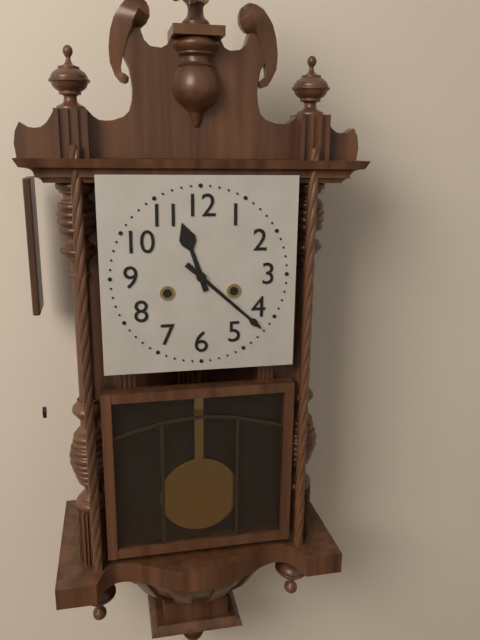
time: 11:22
